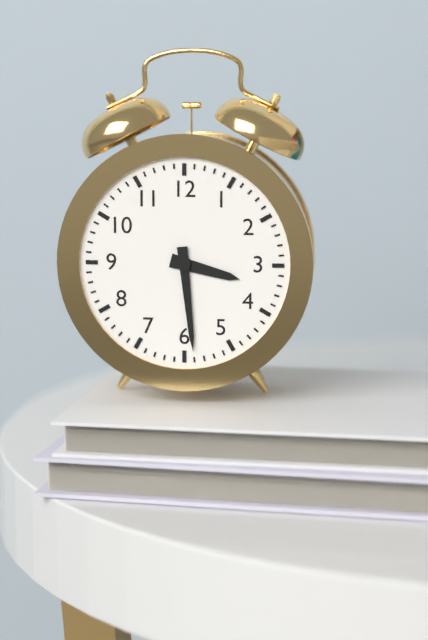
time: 3:29
